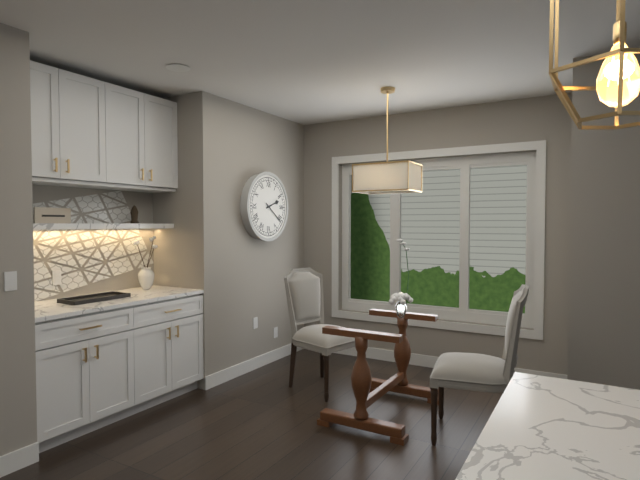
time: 2:21
